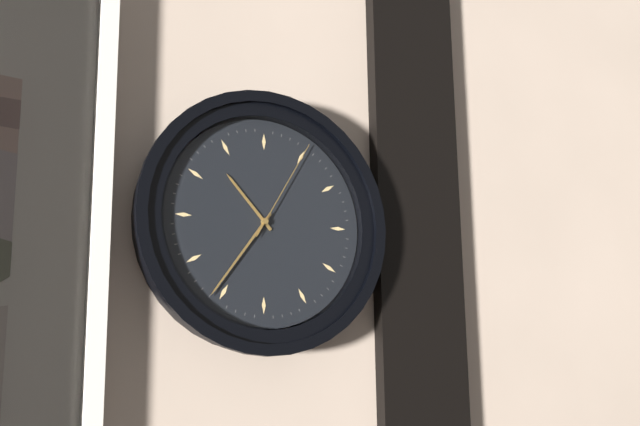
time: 10:36:05
